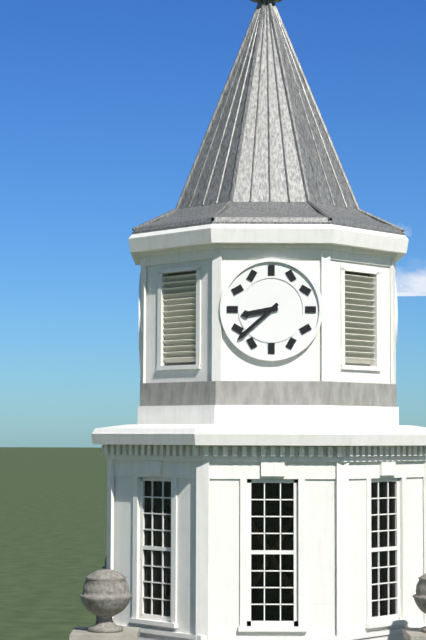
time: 8:38
